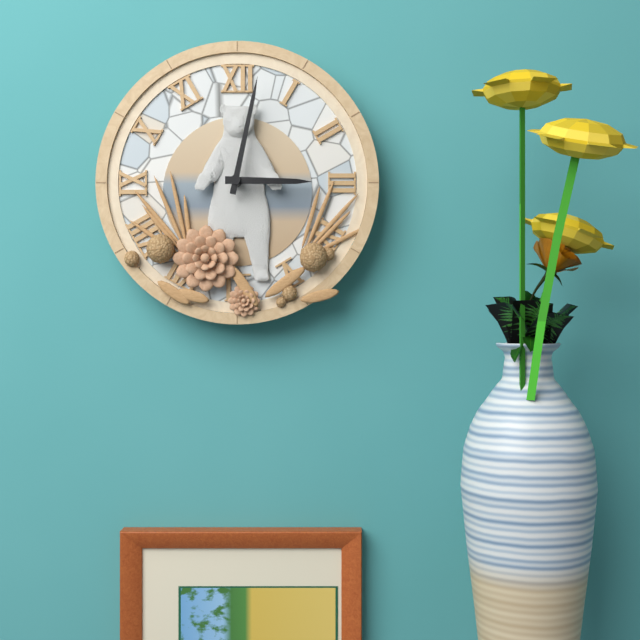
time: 3:02
